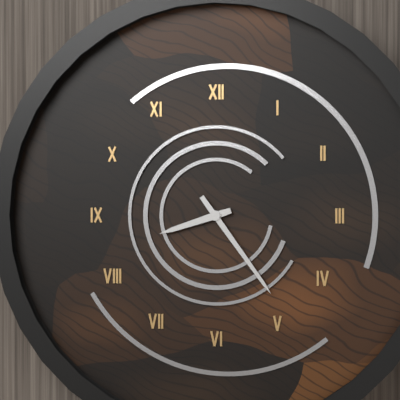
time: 8:24
